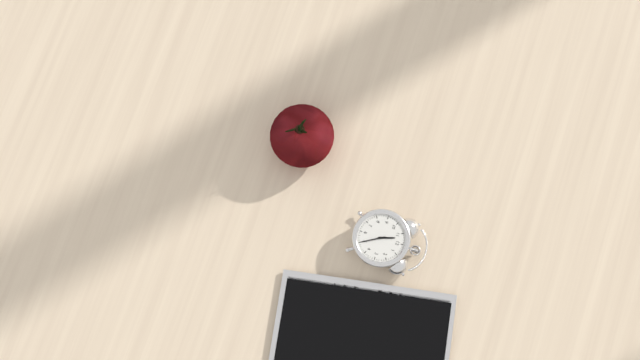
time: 11:25
